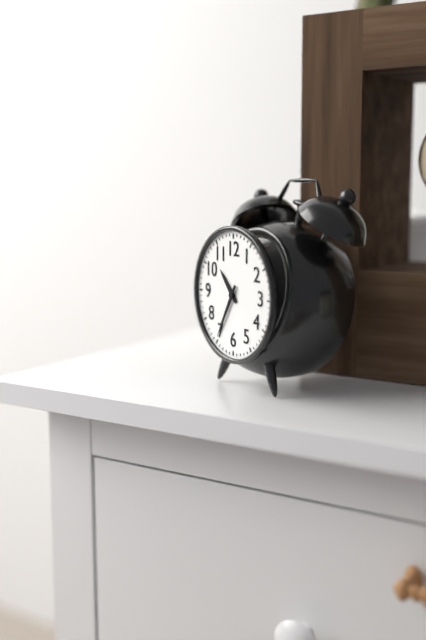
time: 10:35
